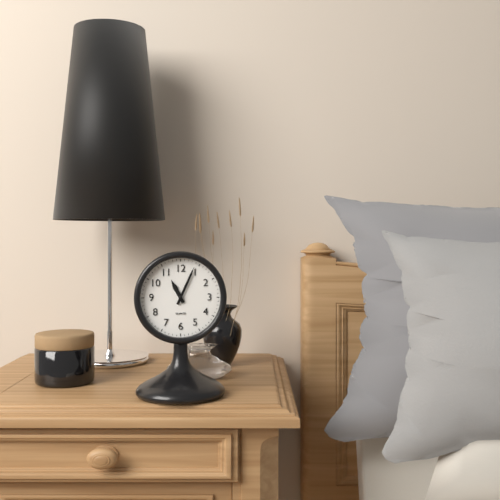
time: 11:04
